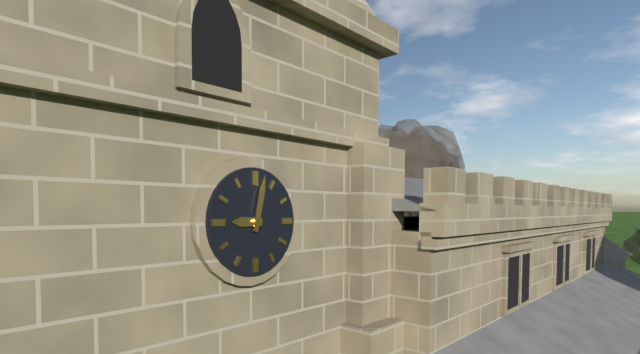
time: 9:02
